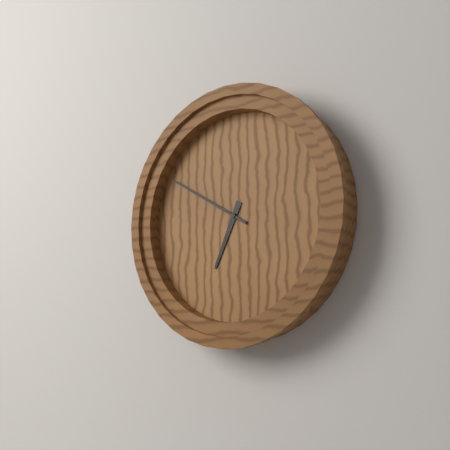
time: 6:50
